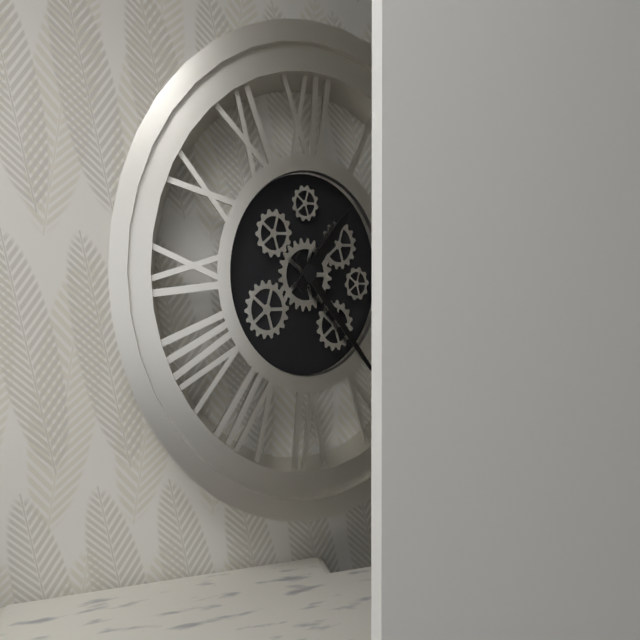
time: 1:23
